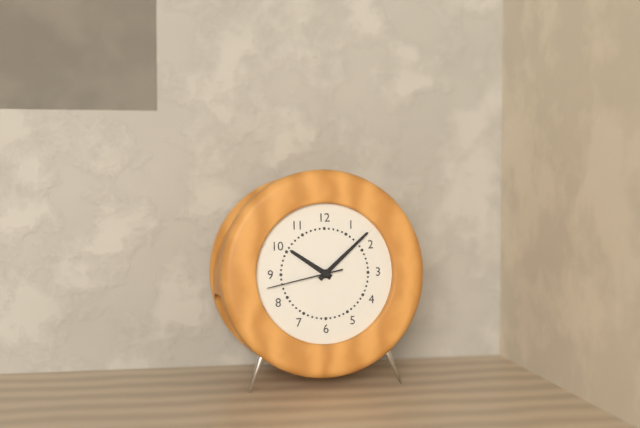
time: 10:08:43
